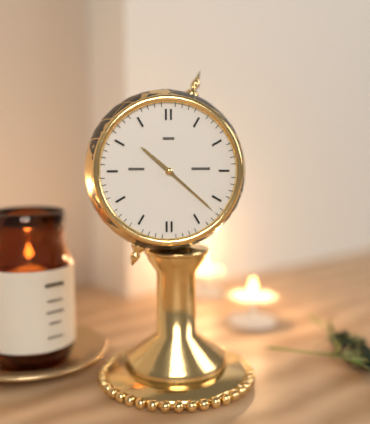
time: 10:22
